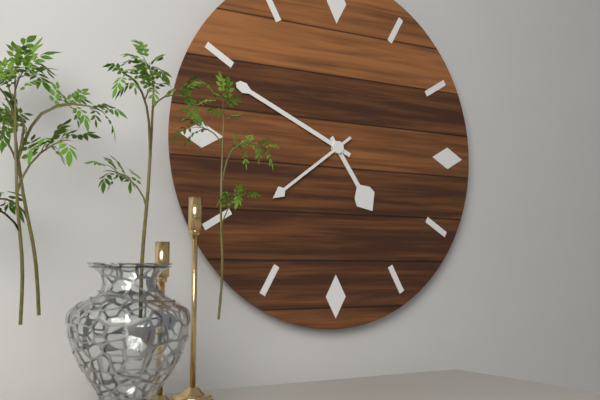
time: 4:49:39
